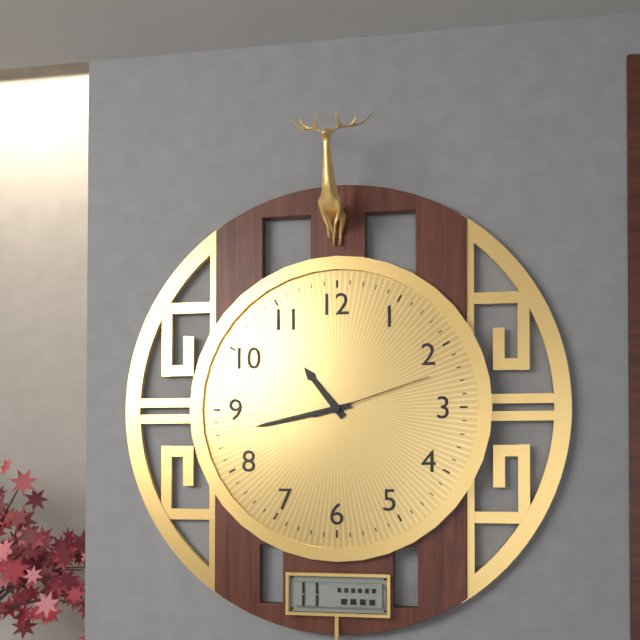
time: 10:43:12
